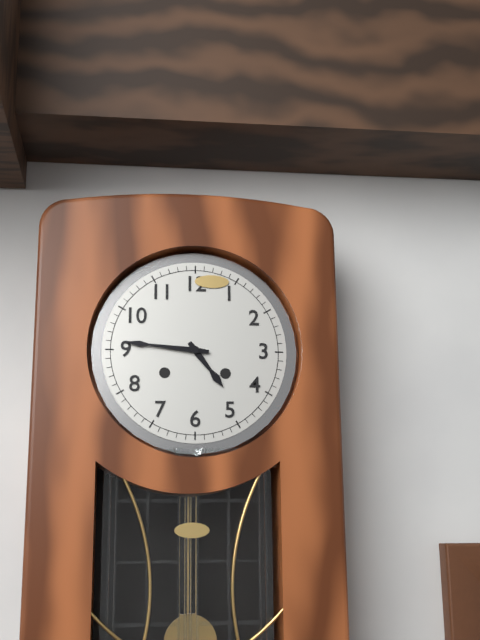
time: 4:46
